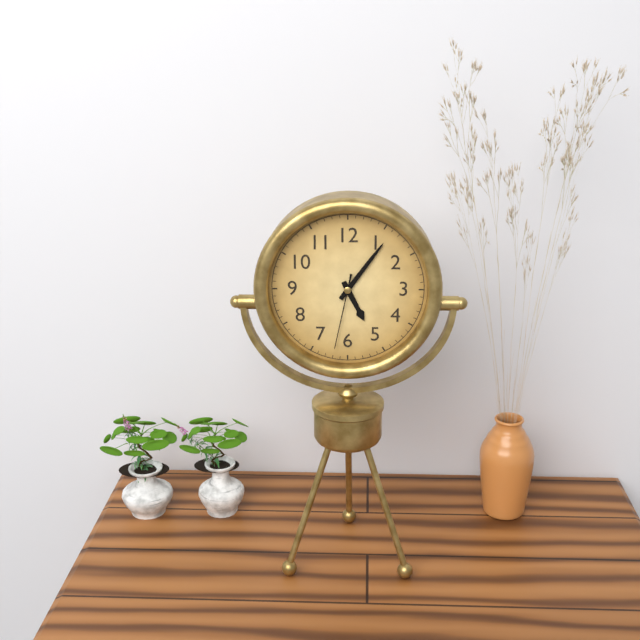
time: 5:06:32
